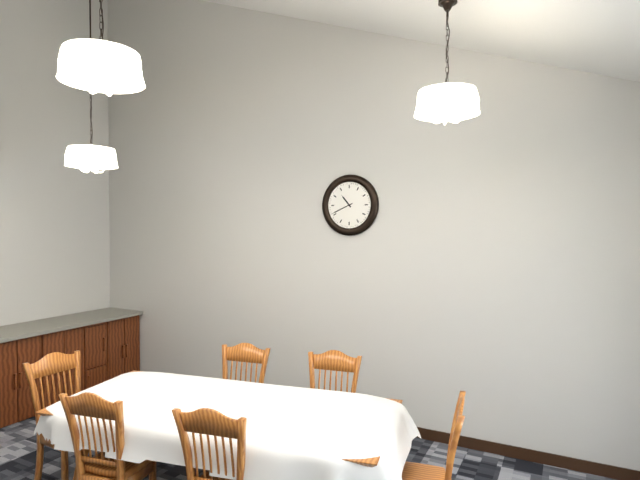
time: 10:41
